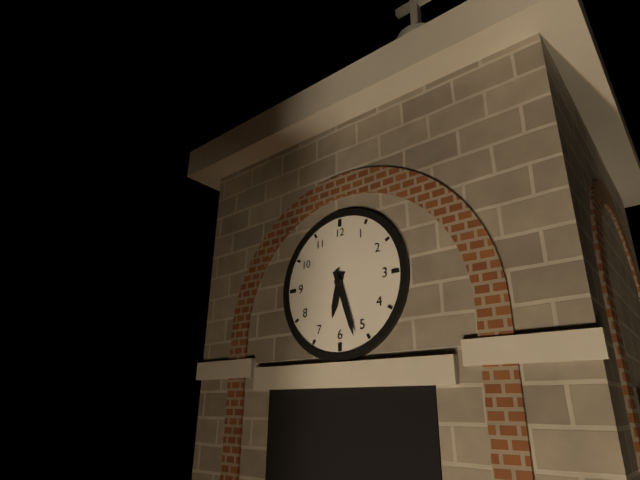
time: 6:27
